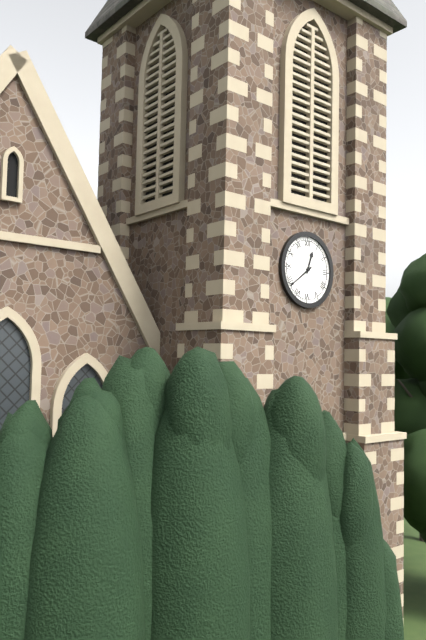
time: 12:39
